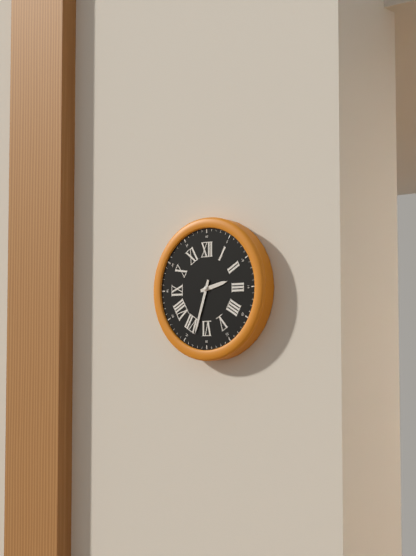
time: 2:33
